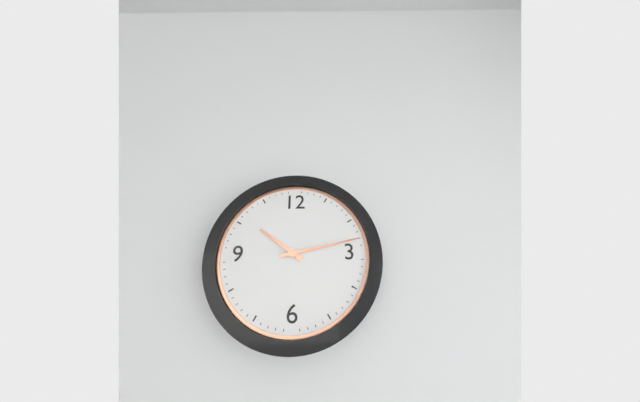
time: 10:13
